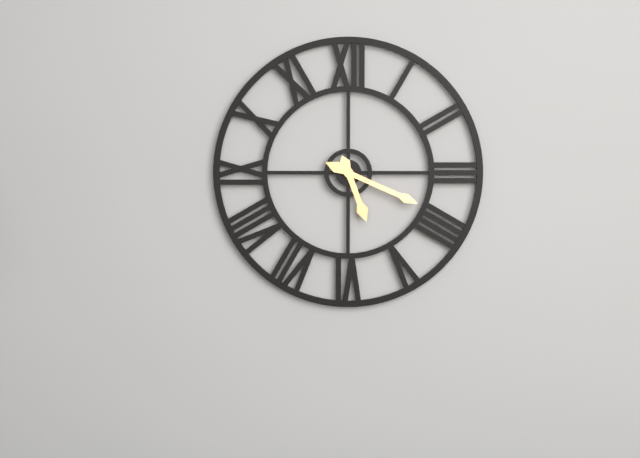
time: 5:19
